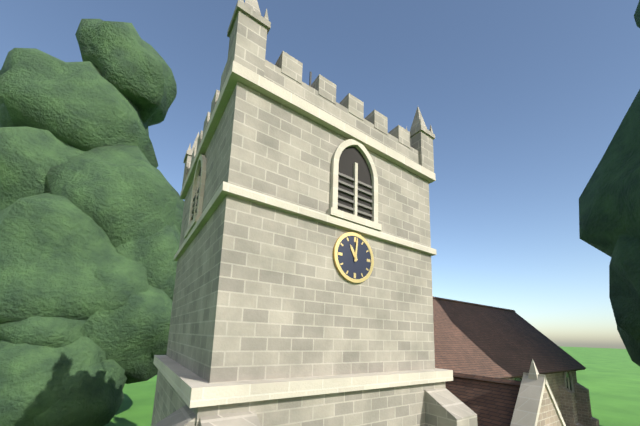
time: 11:01
